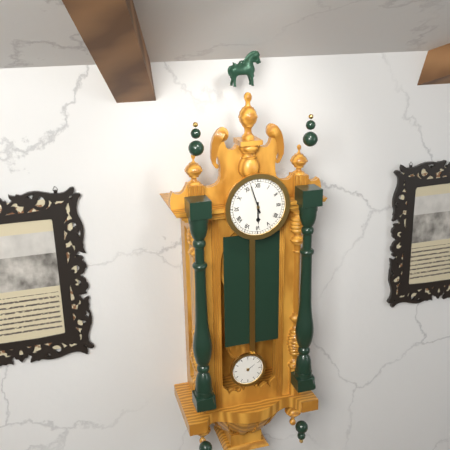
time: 5:57
